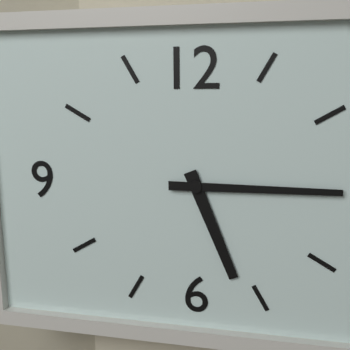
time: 5:15
